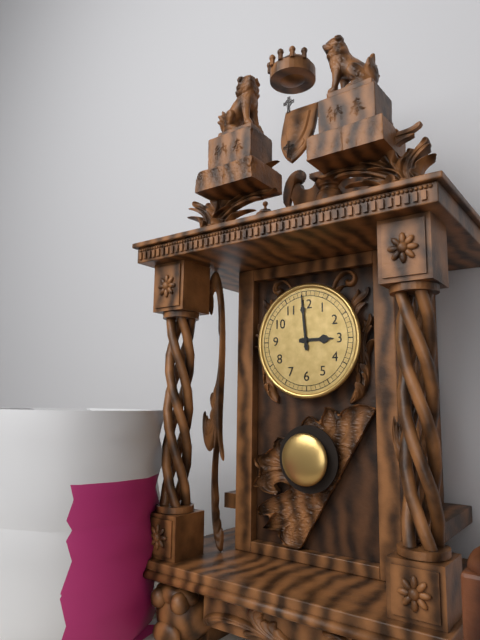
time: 2:59
